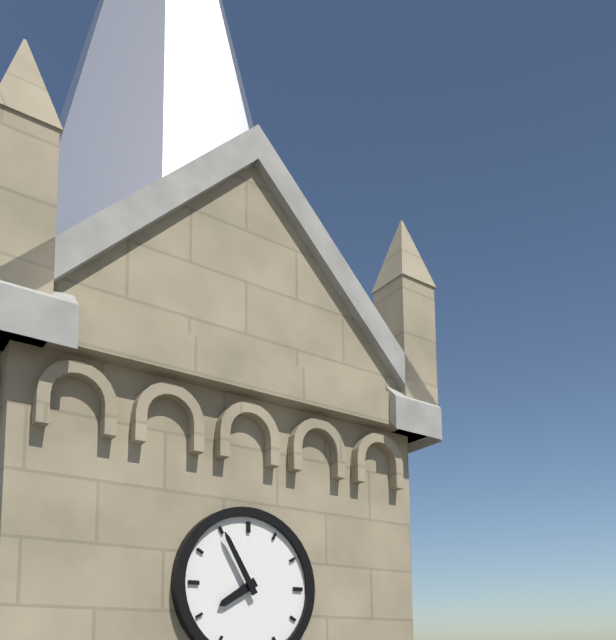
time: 7:55
